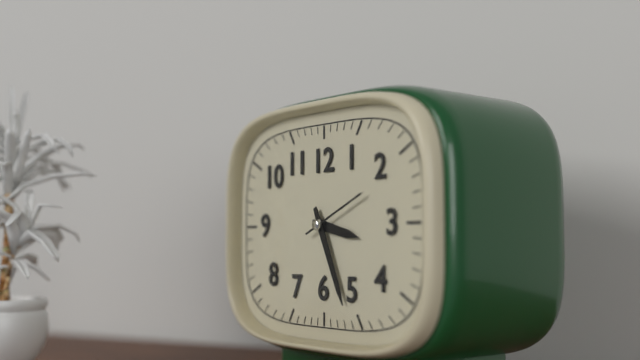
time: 3:26:11
